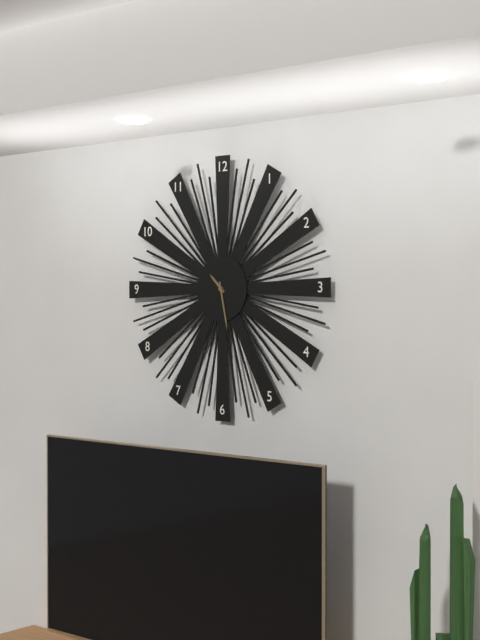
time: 10:28
